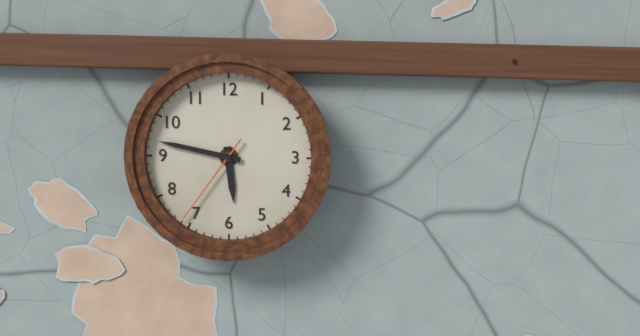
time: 5:47:36
